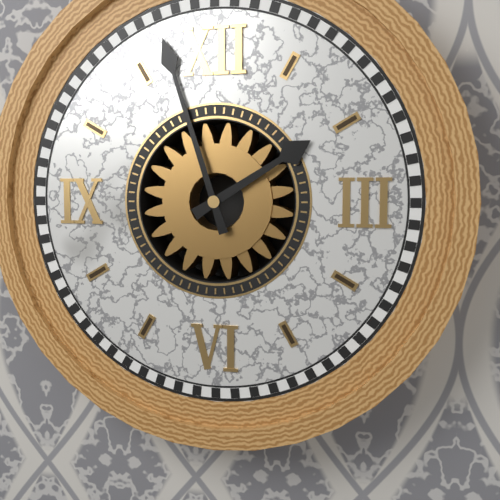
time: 1:57
